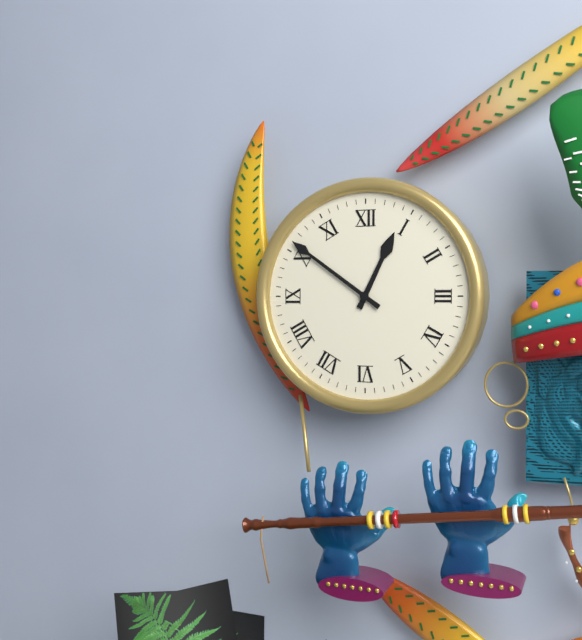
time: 12:51
